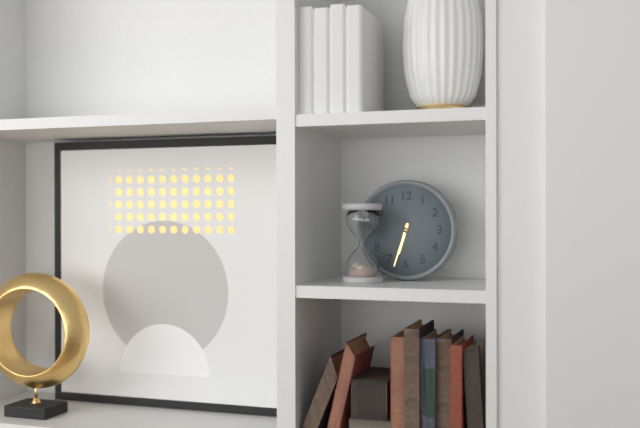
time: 6:33
